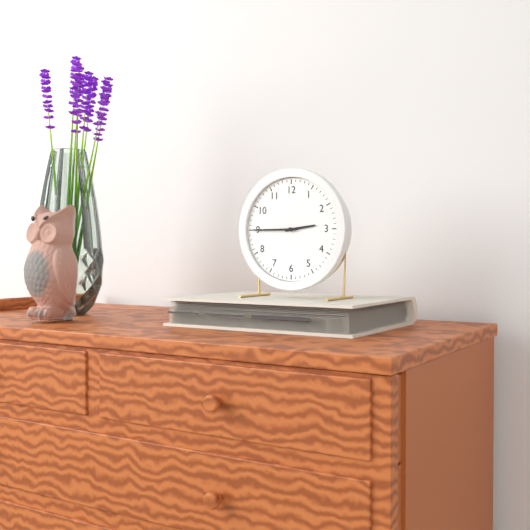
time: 2:45
